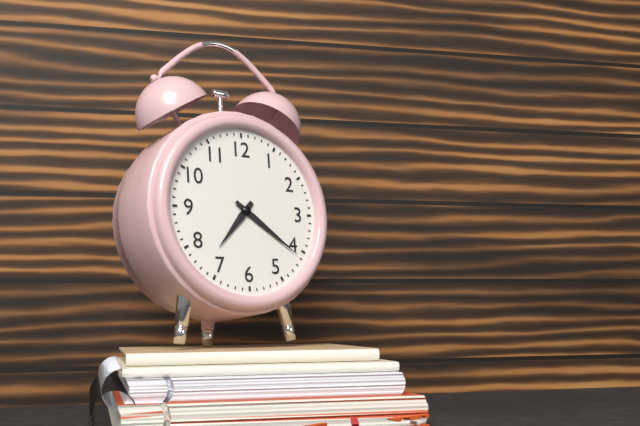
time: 7:21
